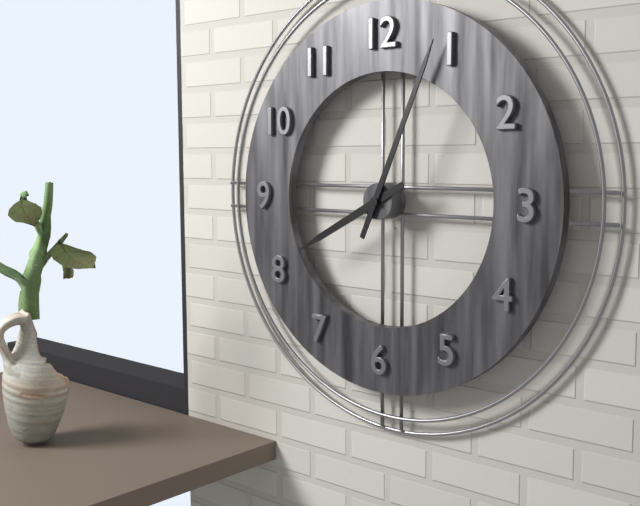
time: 8:04
